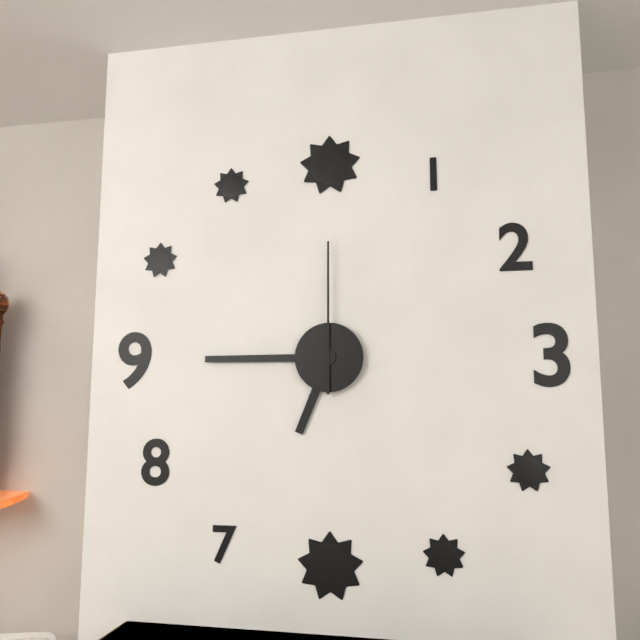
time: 6:45:00
